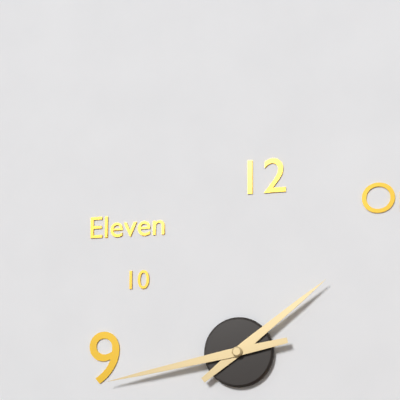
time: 1:43
